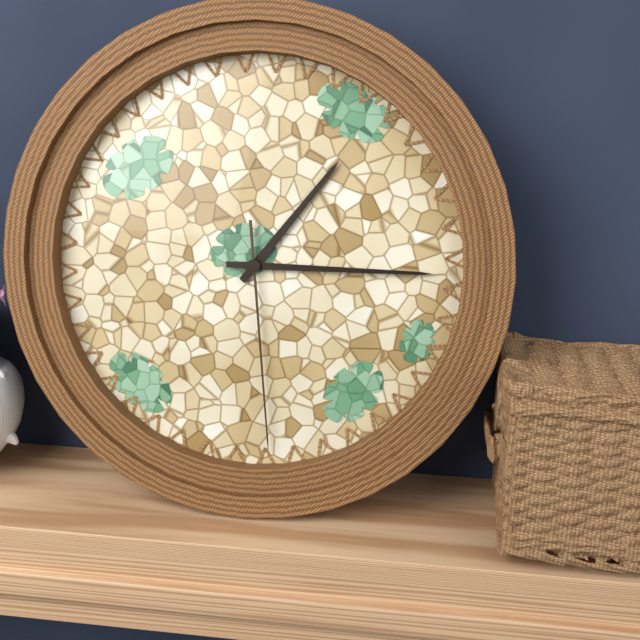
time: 1:15:29
